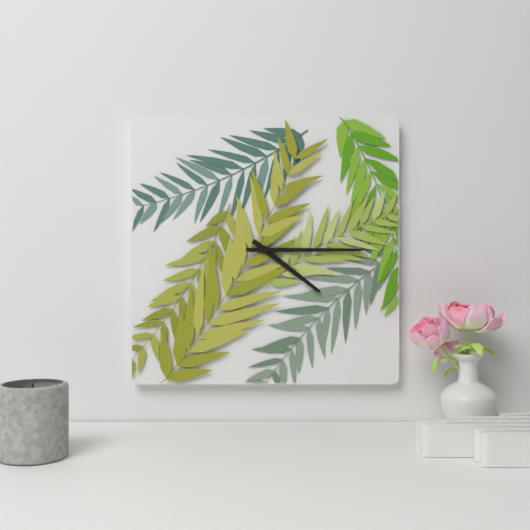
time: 4:15
